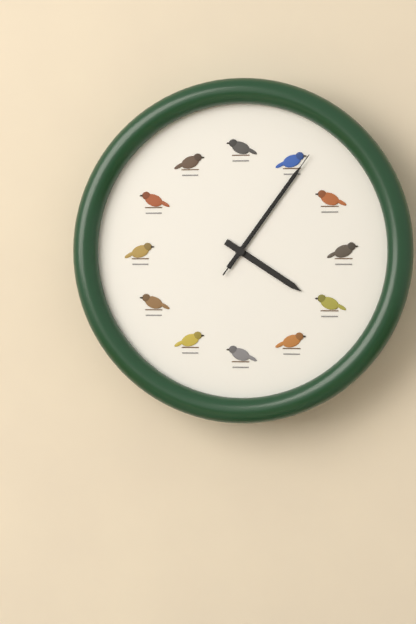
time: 4:06:06
